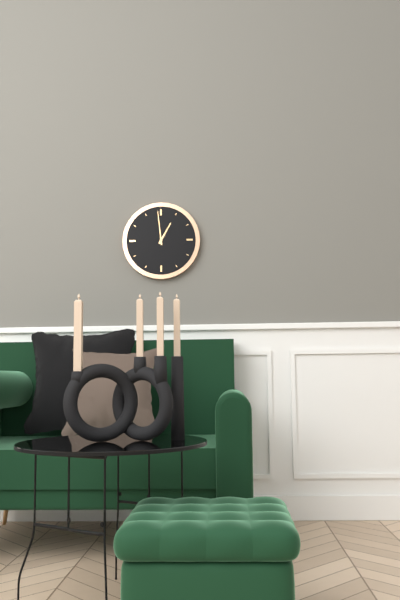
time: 12:59
